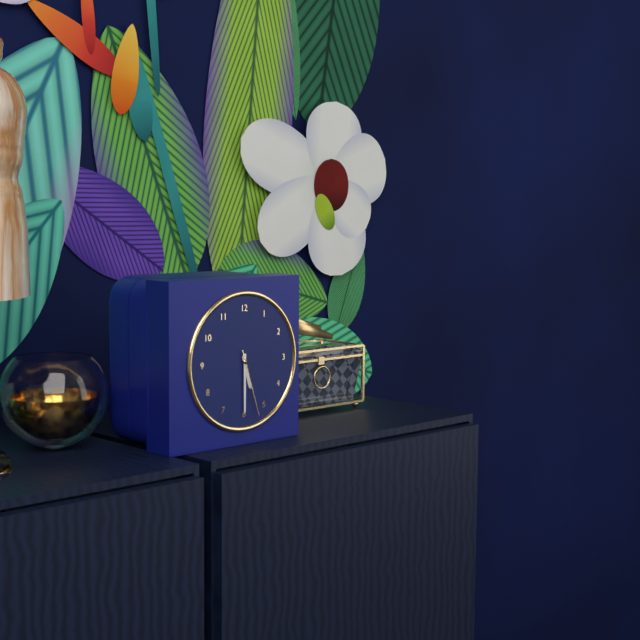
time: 5:30:27
